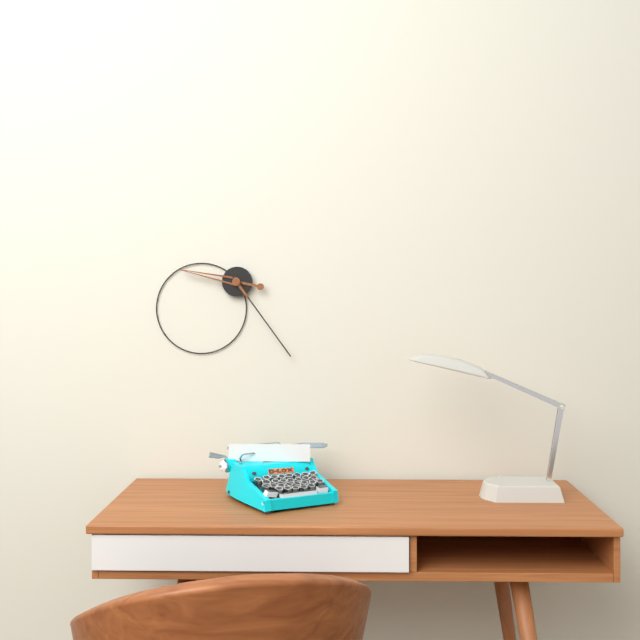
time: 9:24
